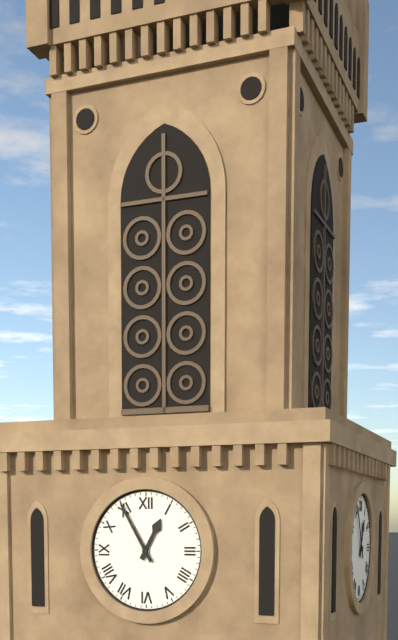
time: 12:55
